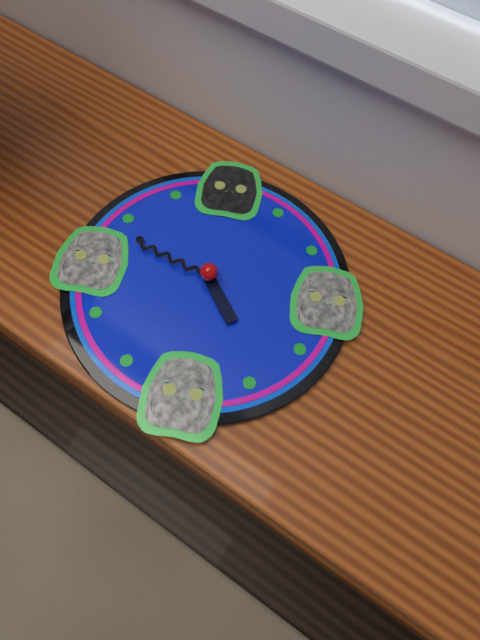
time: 4:48
